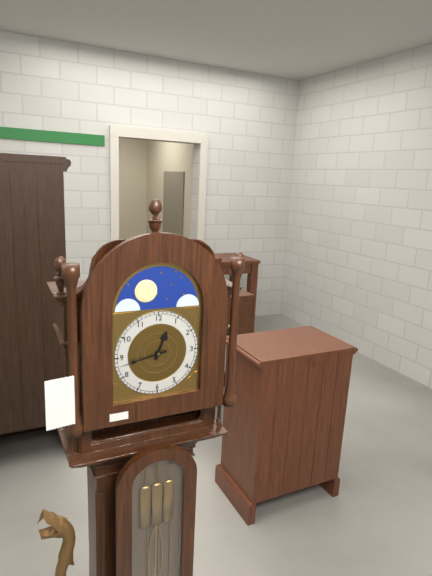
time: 12:43
